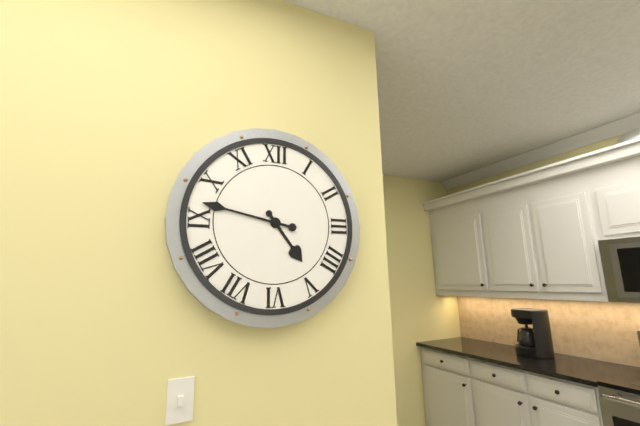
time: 4:47
